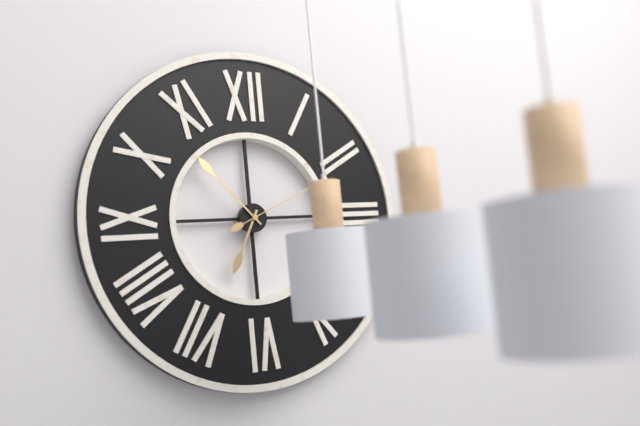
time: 6:53:11
